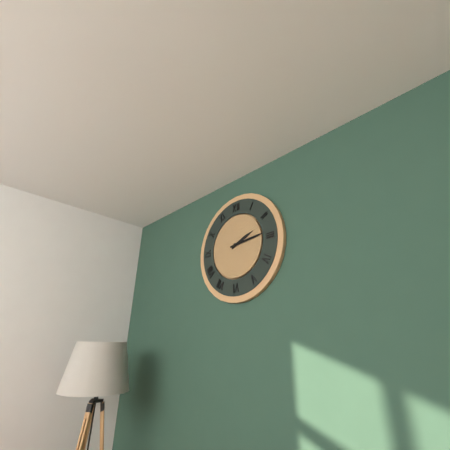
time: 2:14
